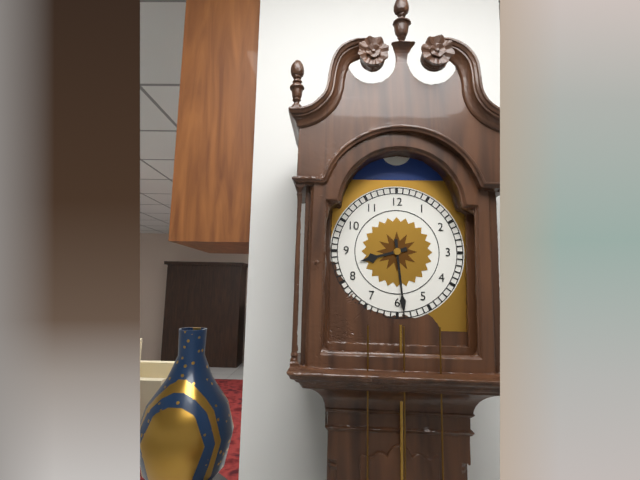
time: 8:29
